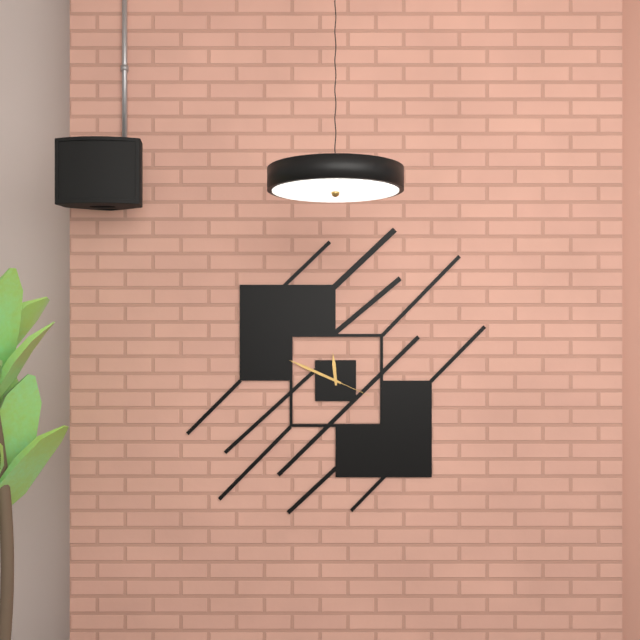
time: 11:49
